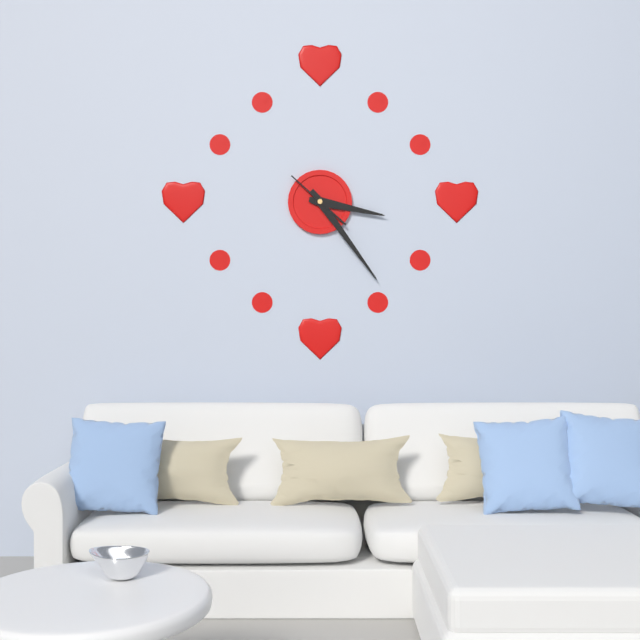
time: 3:24
